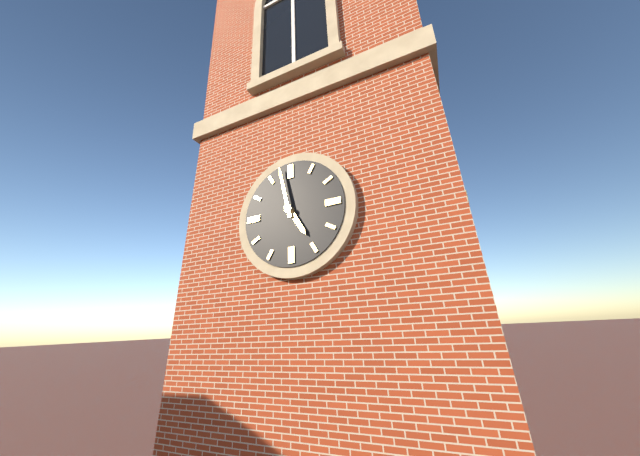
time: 4:58
